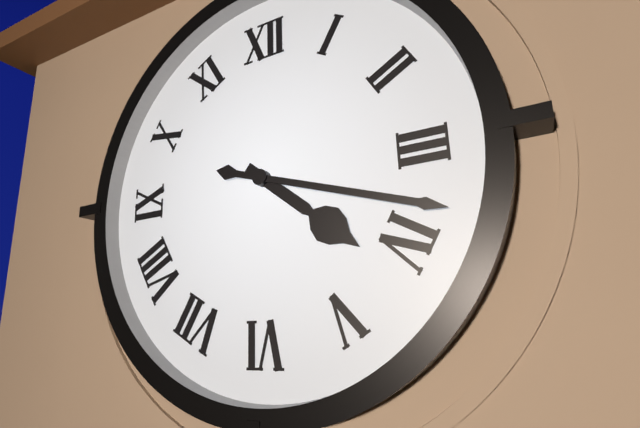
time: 4:18
